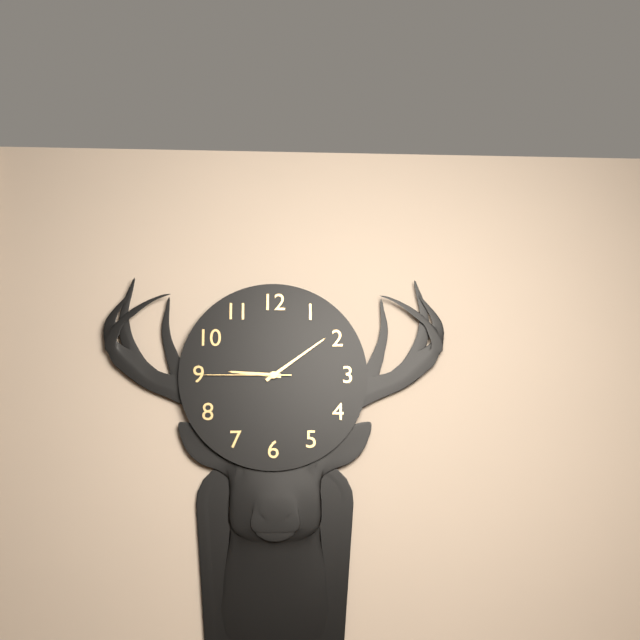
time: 9:09:45
